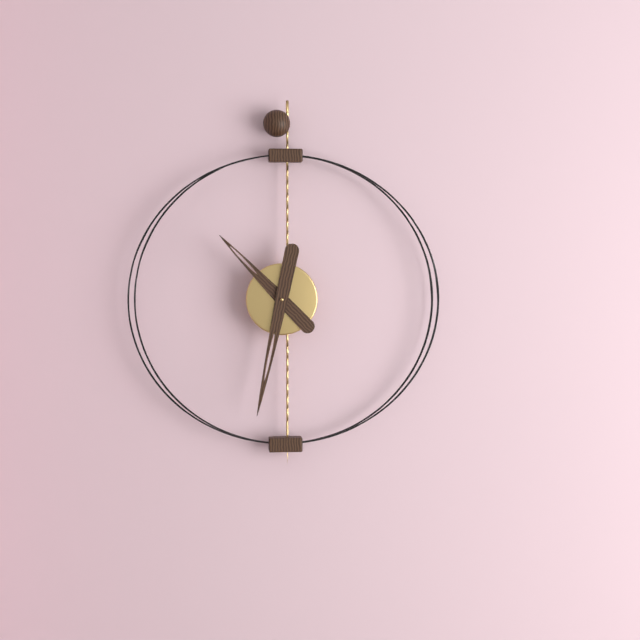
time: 10:32
